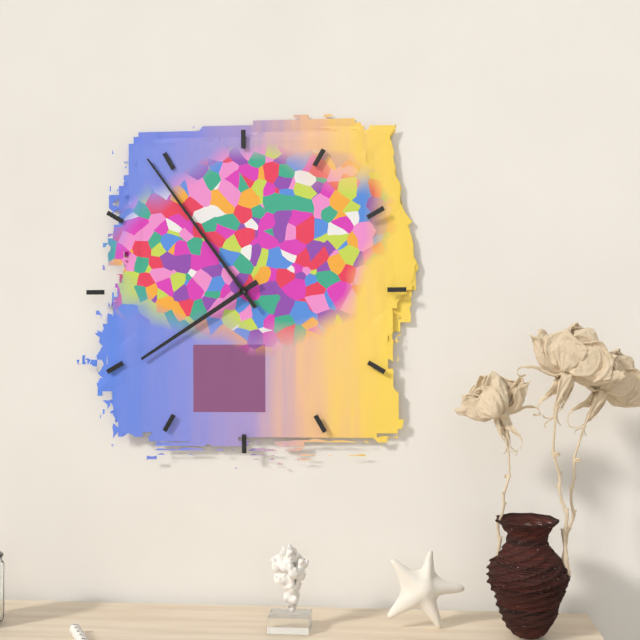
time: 7:54
